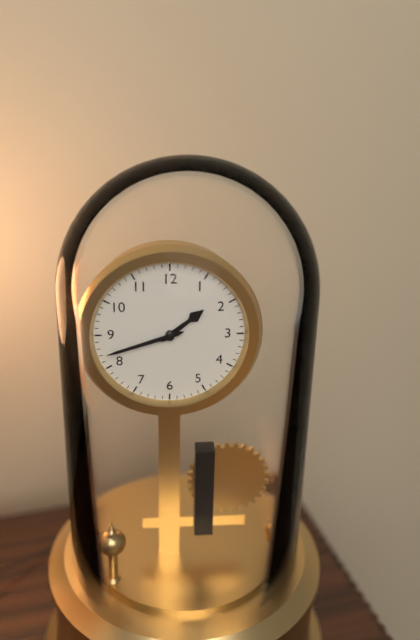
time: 1:42
